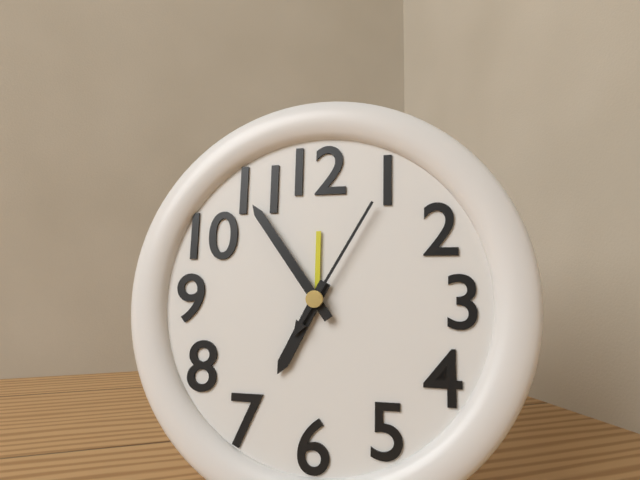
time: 6:54:05
